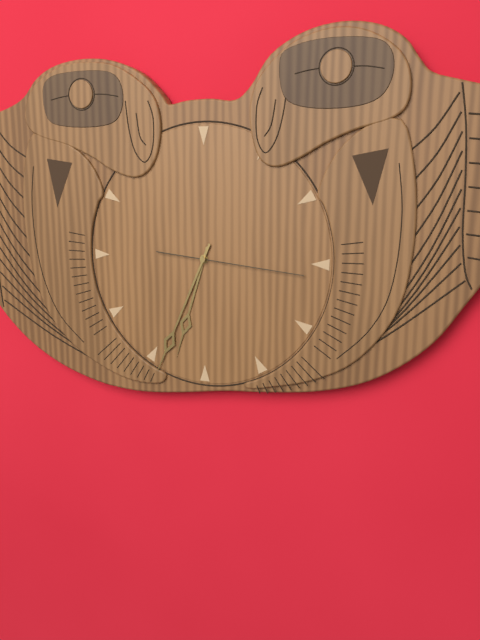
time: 6:34:16
